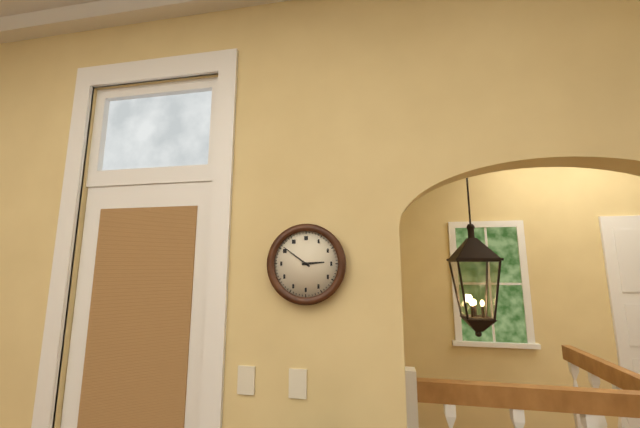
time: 2:51
